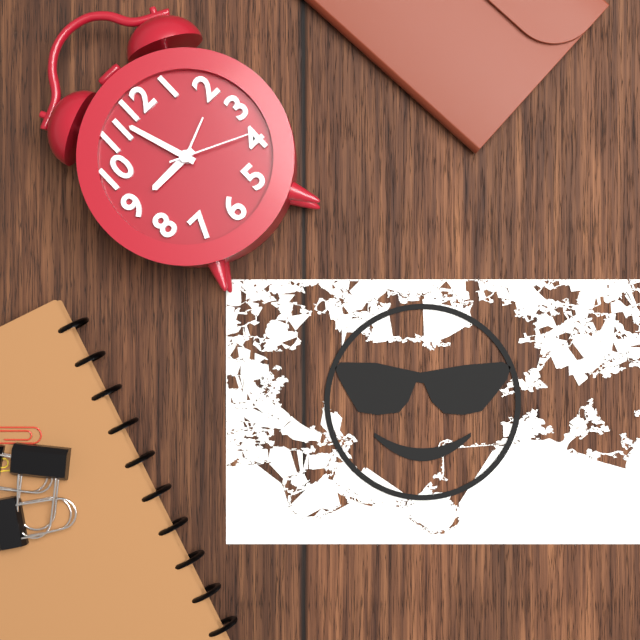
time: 8:57:19
